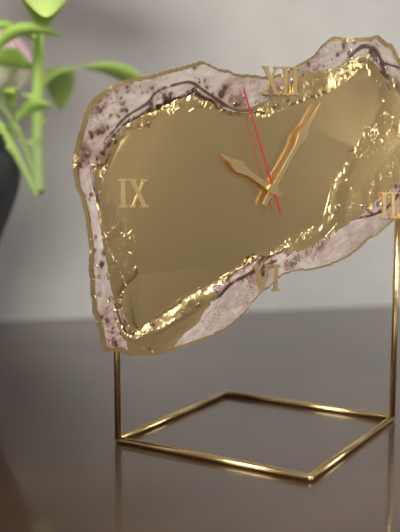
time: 10:05:57
